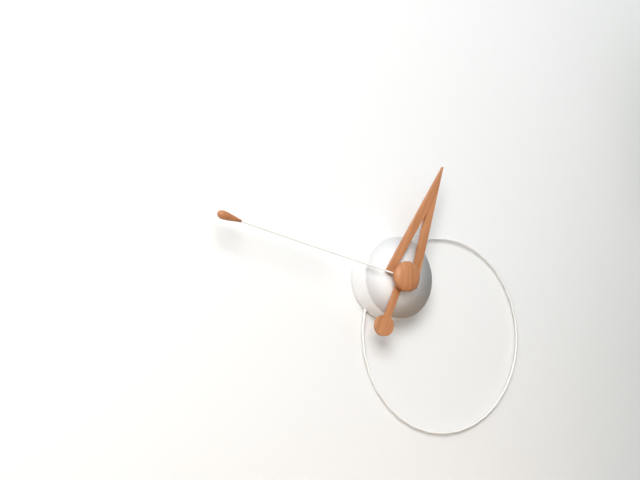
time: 12:47
